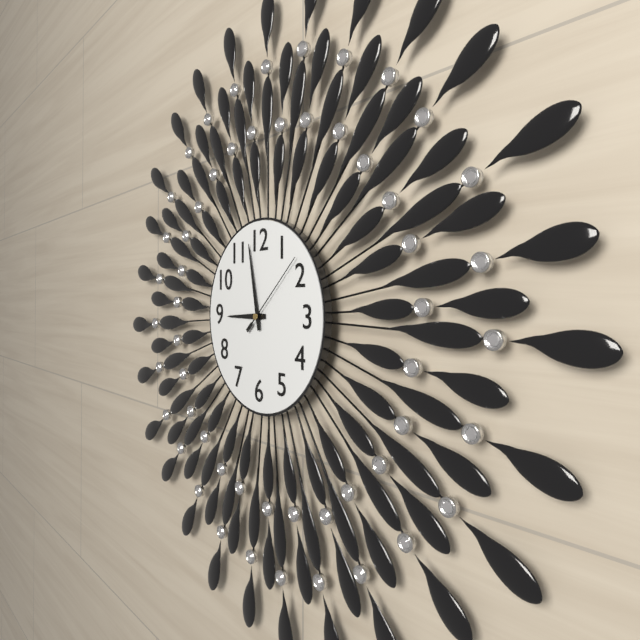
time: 8:58:08
